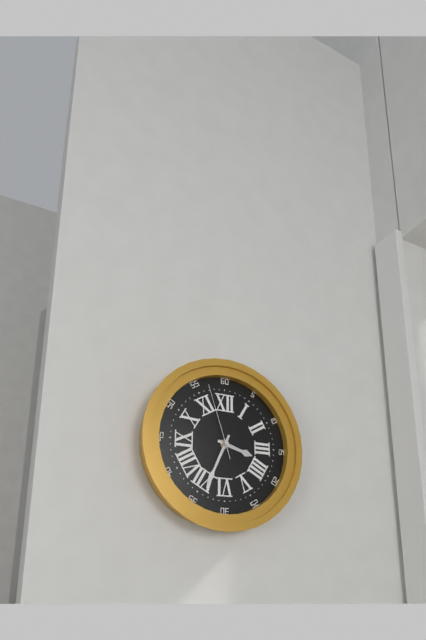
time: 3:34:57
